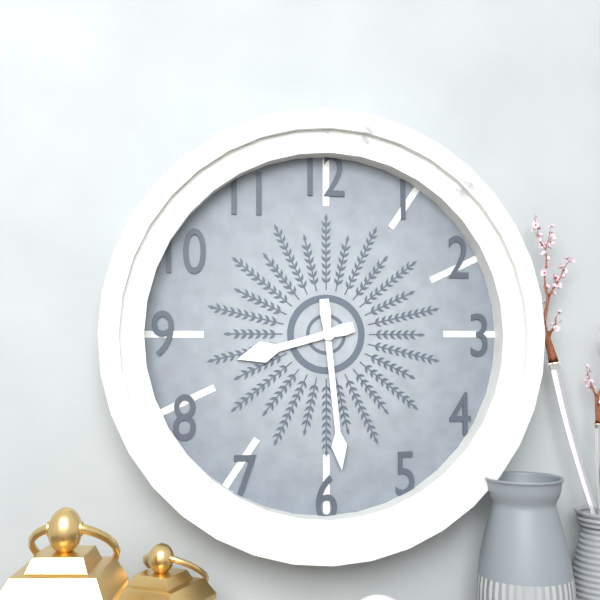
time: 8:29
